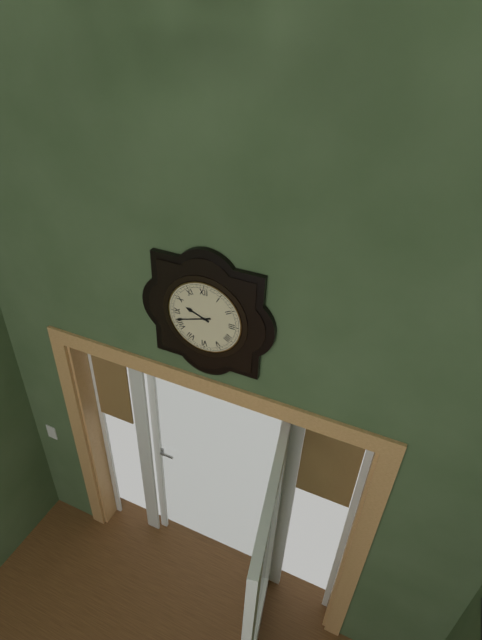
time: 9:42
